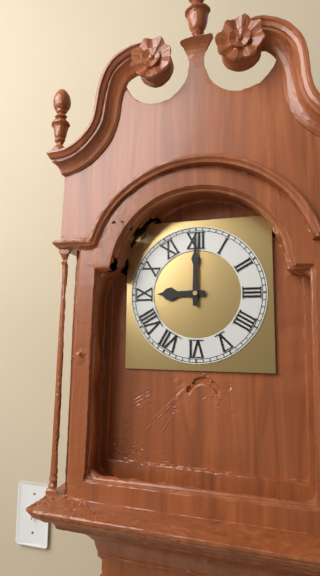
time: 9:00
